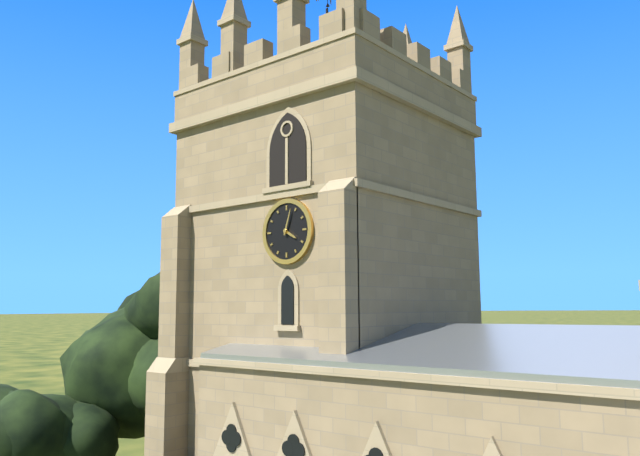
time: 4:03
